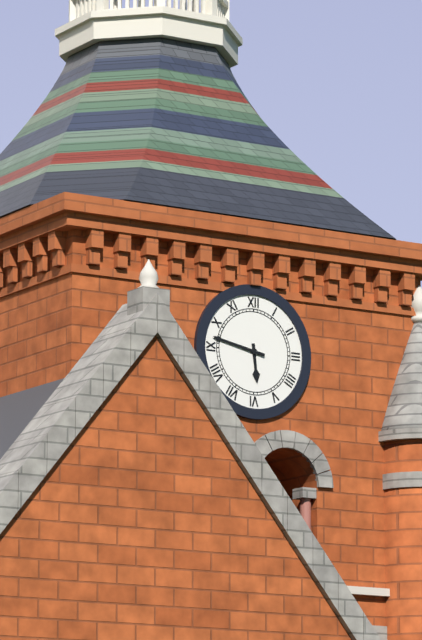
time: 5:47
